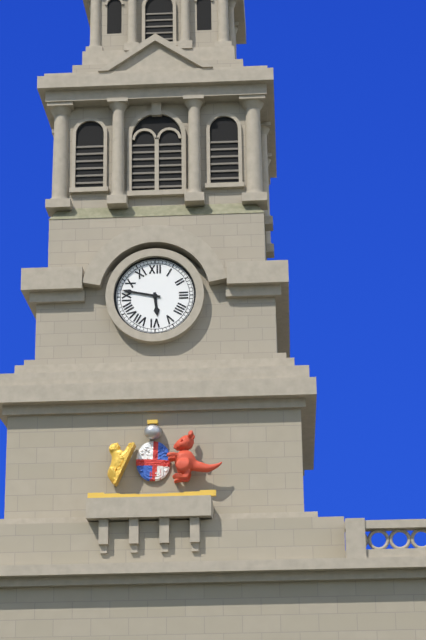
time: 5:47
